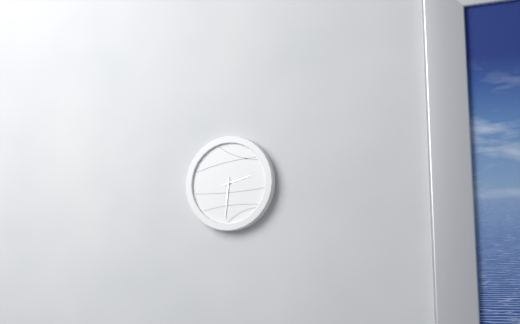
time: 2:31
